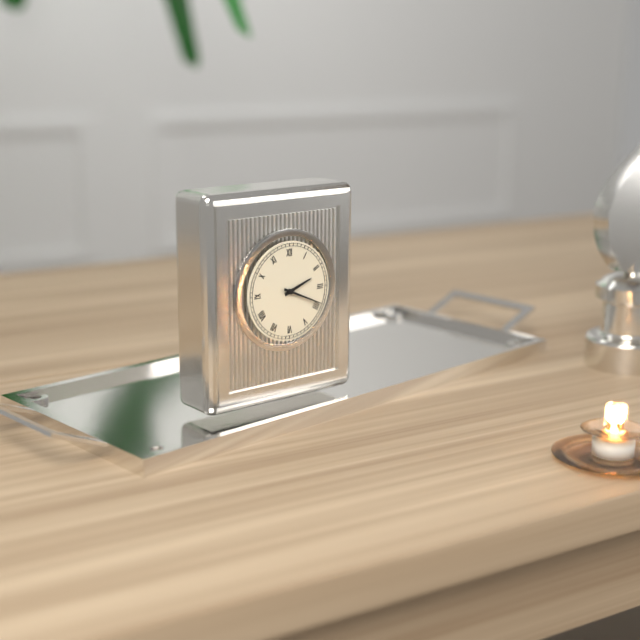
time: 2:19
